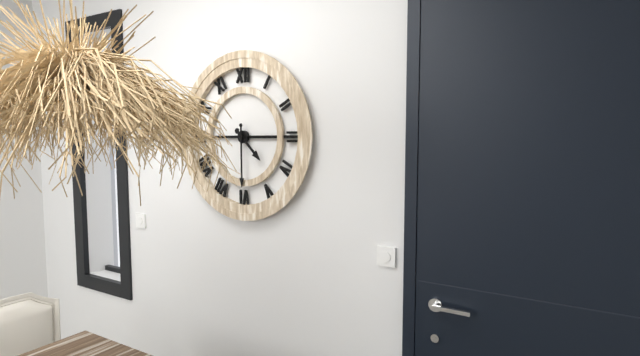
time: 4:30
